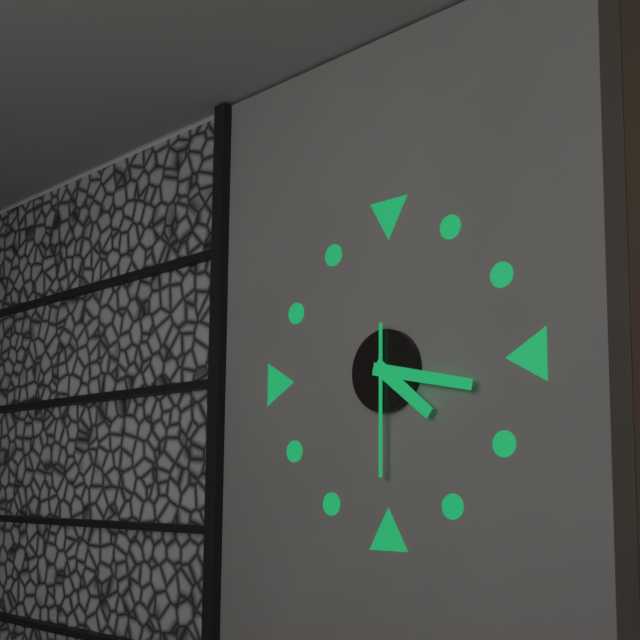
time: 4:17:30
